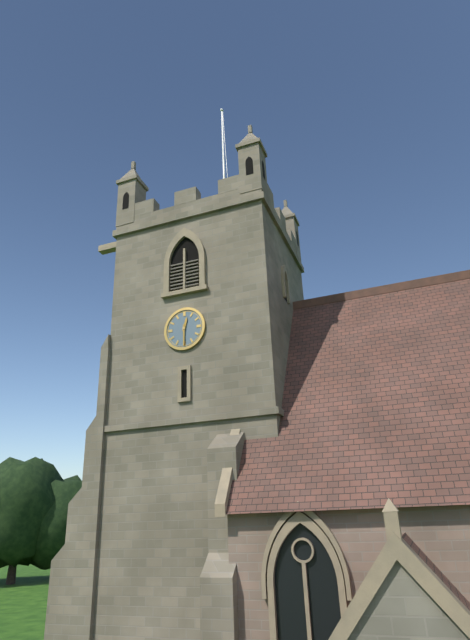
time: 12:30
